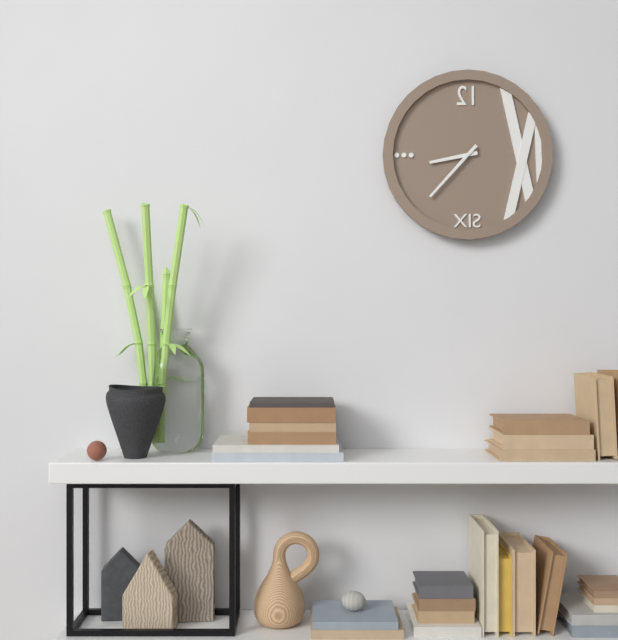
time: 8:37
